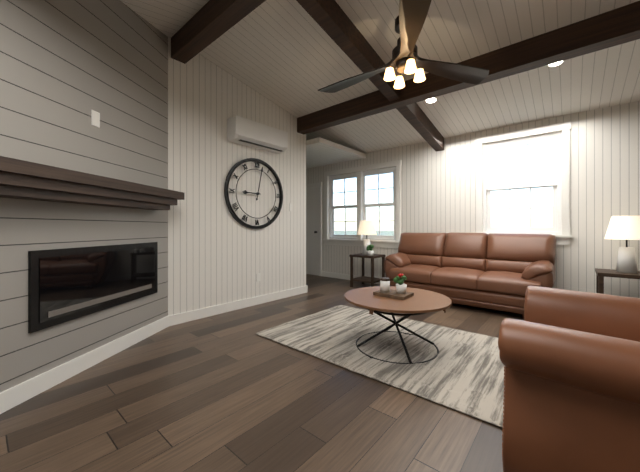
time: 9:02
